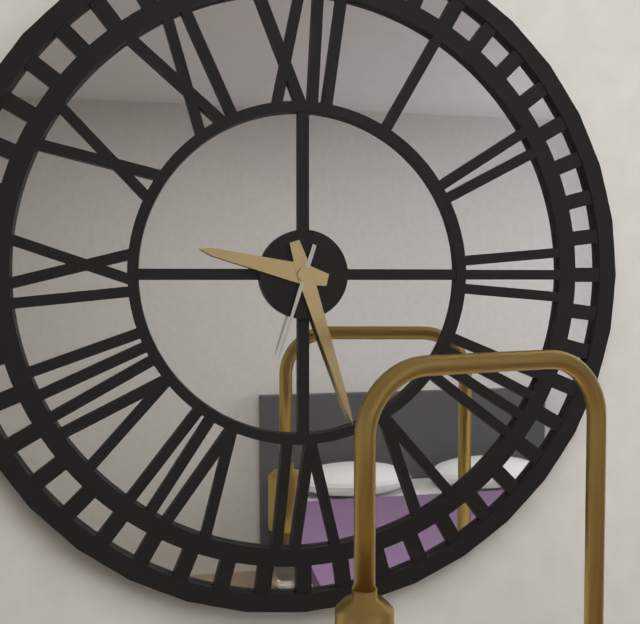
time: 9:27:33
